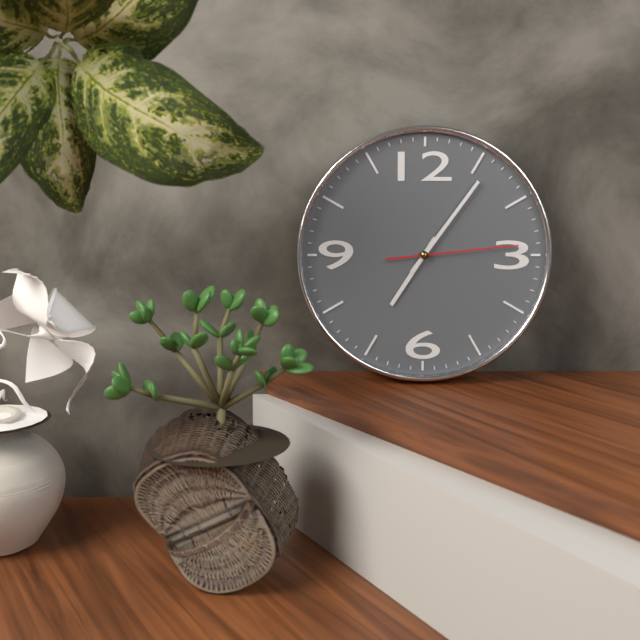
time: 7:06:14
